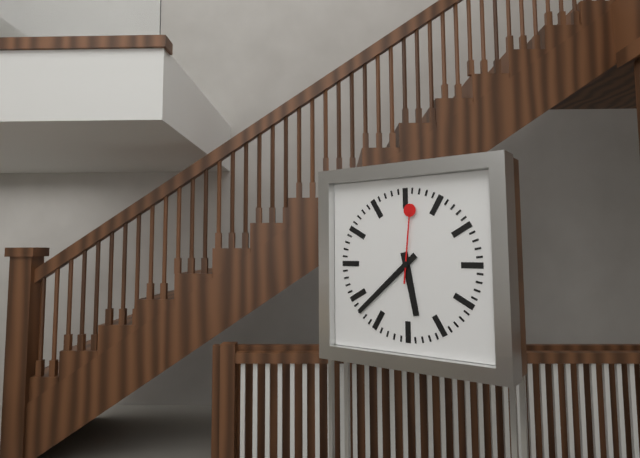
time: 5:38:01
